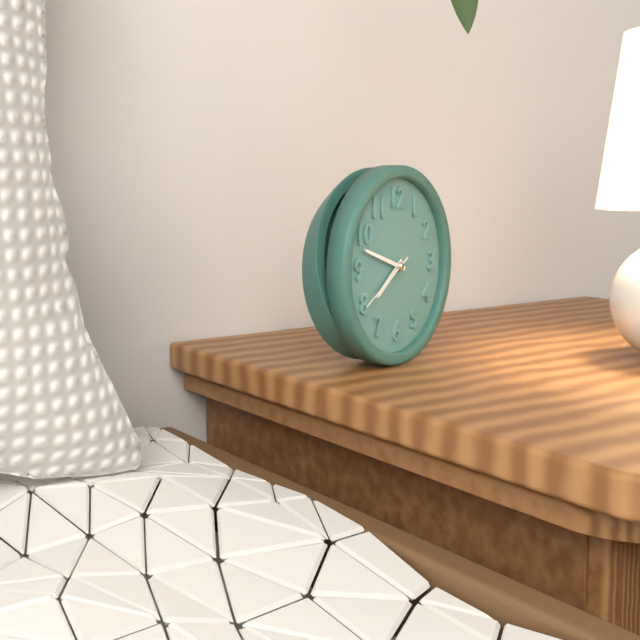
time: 7:48:40
